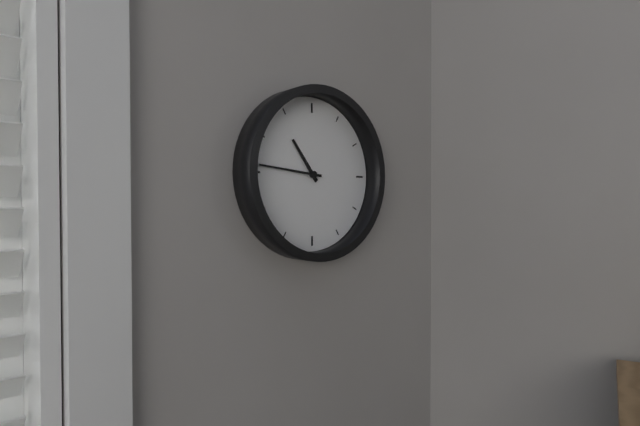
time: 10:46
